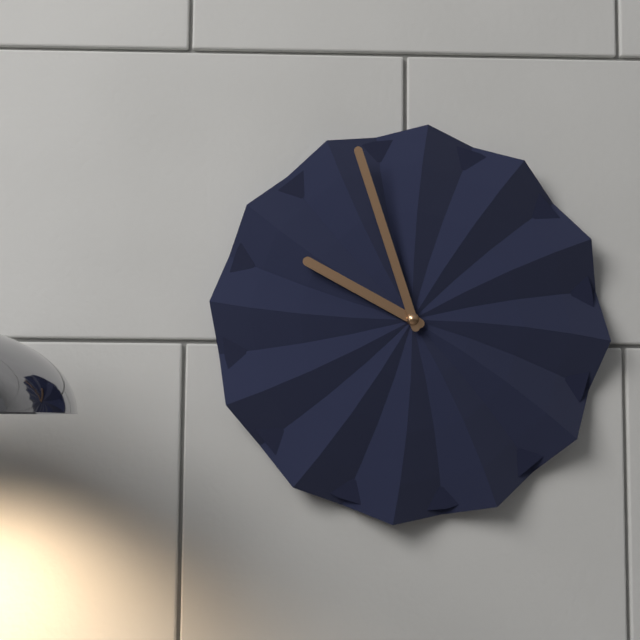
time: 9:57
